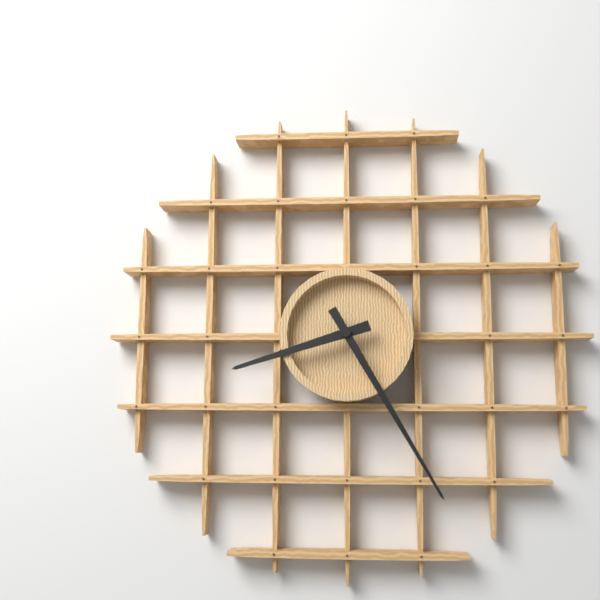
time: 8:25
